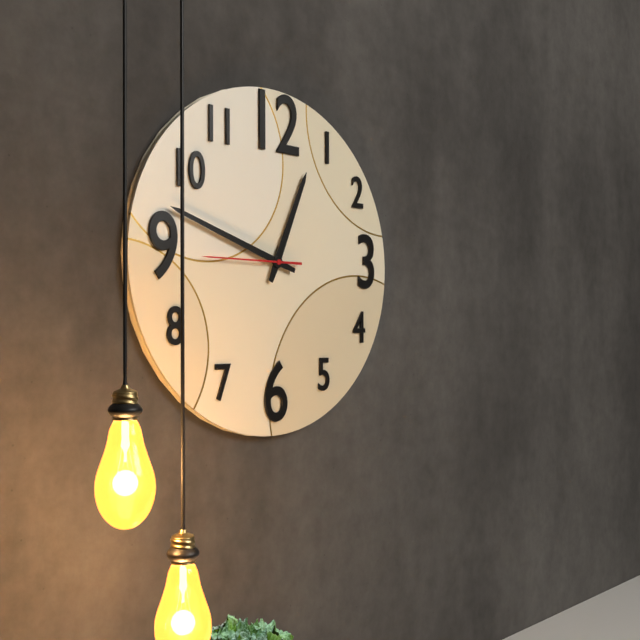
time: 12:48:45
